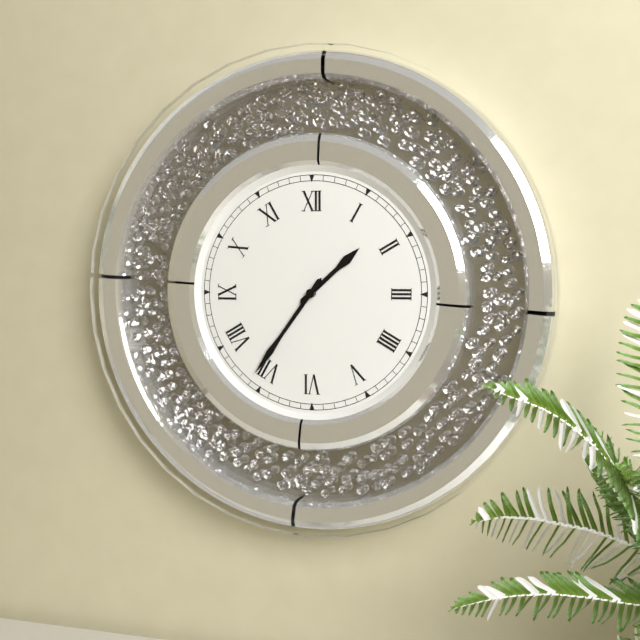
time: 1:36
